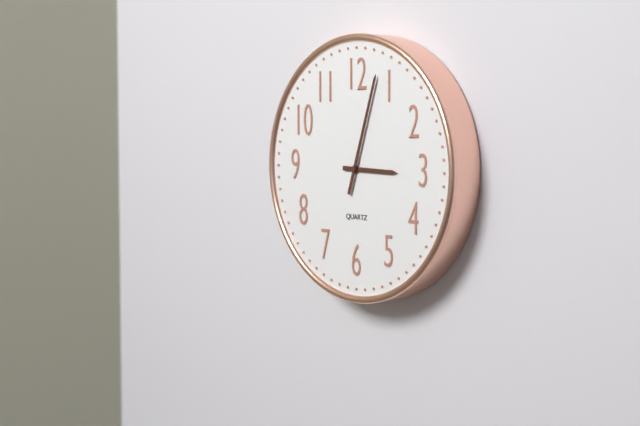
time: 3:03
